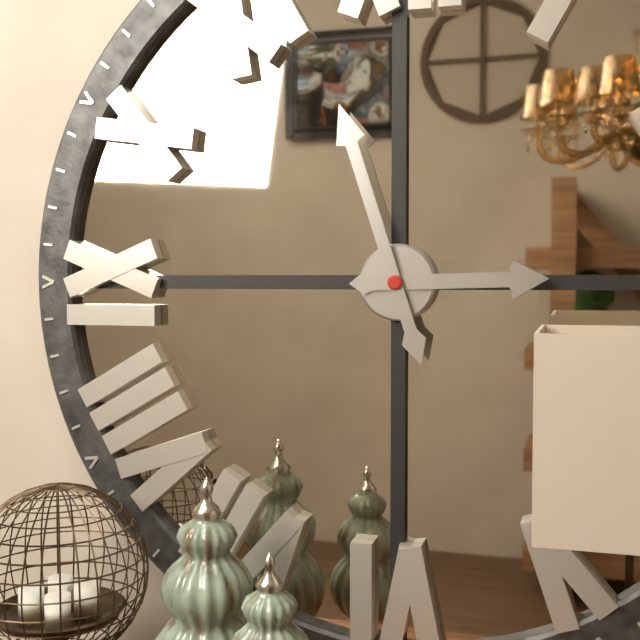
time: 2:57
